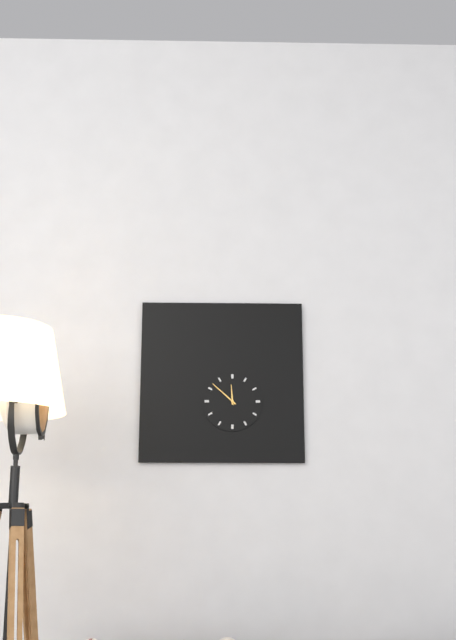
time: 11:52
